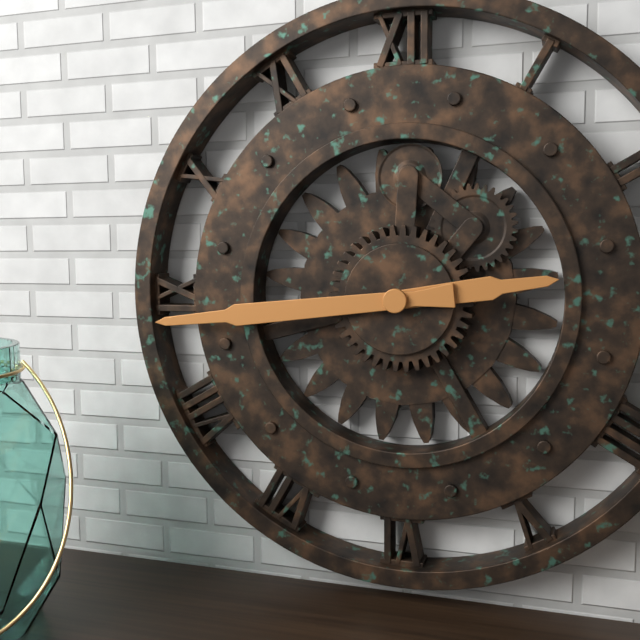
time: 2:44
